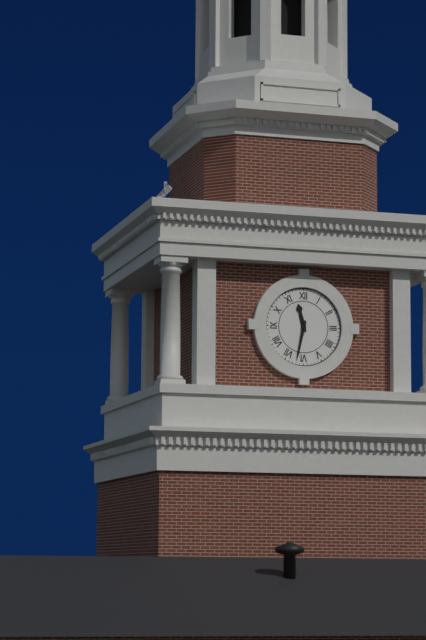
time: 11:32
